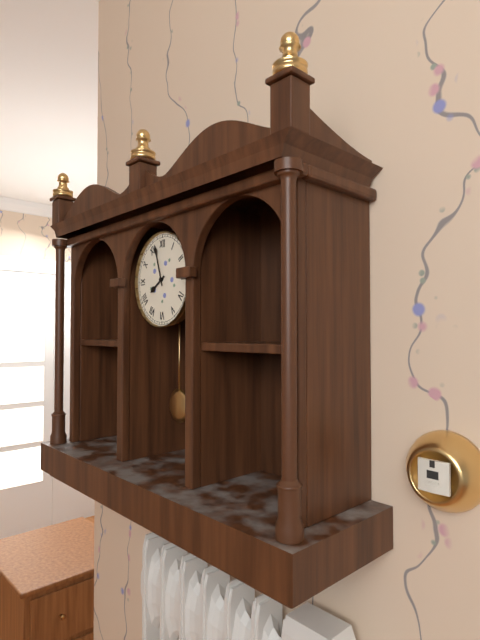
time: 7:57
